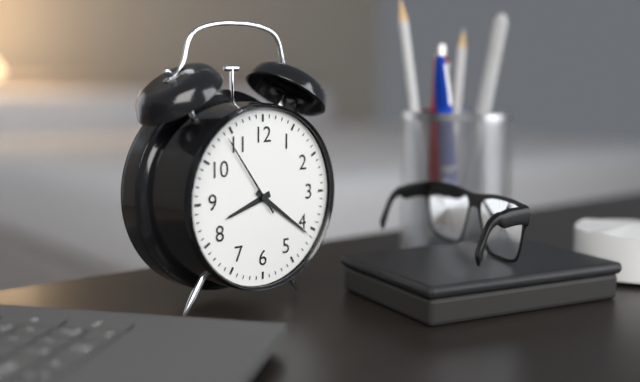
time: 8:21:54
